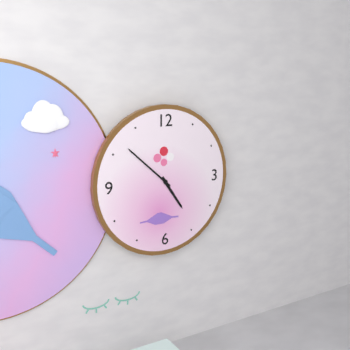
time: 4:52
